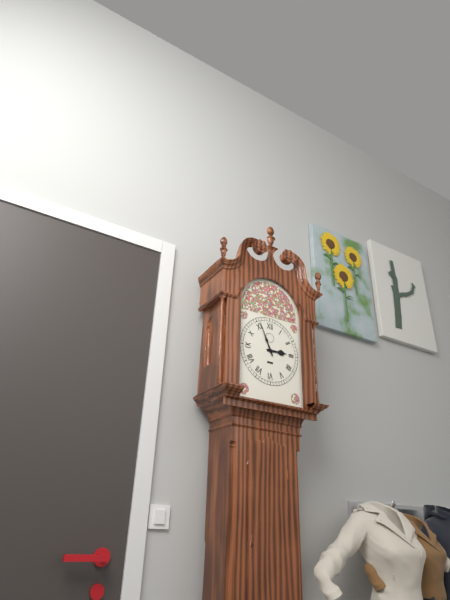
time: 2:56
